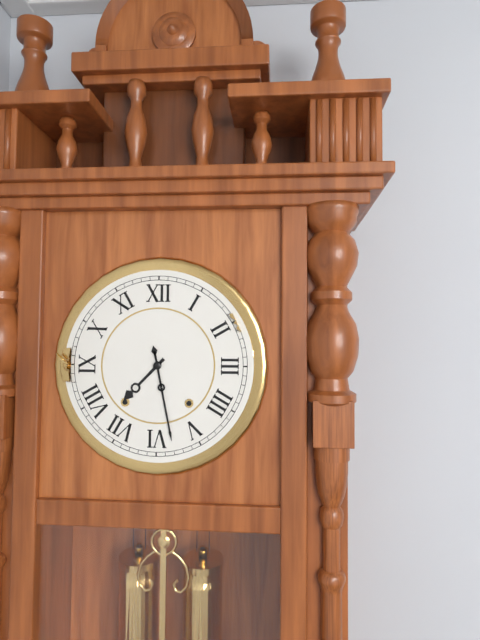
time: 7:28
